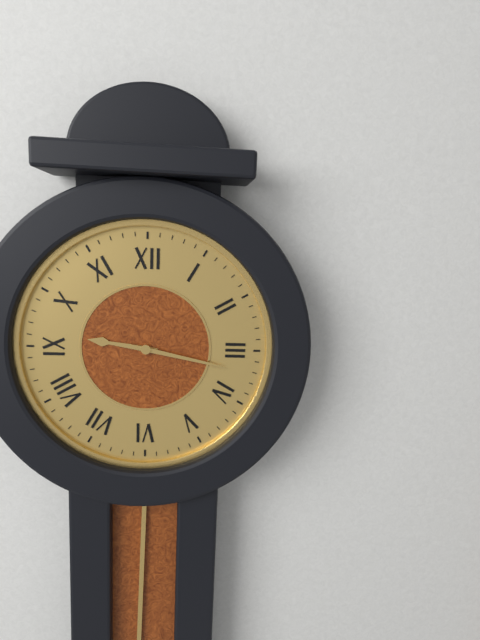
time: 9:17
